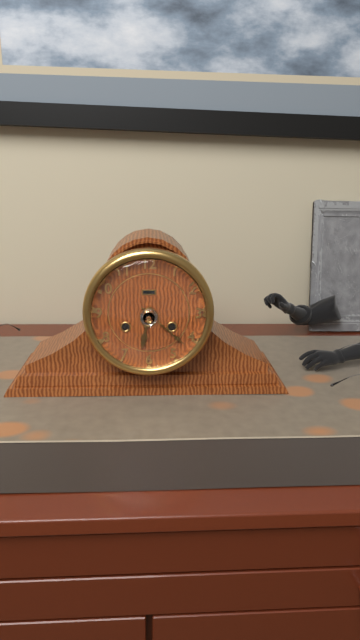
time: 6:22
